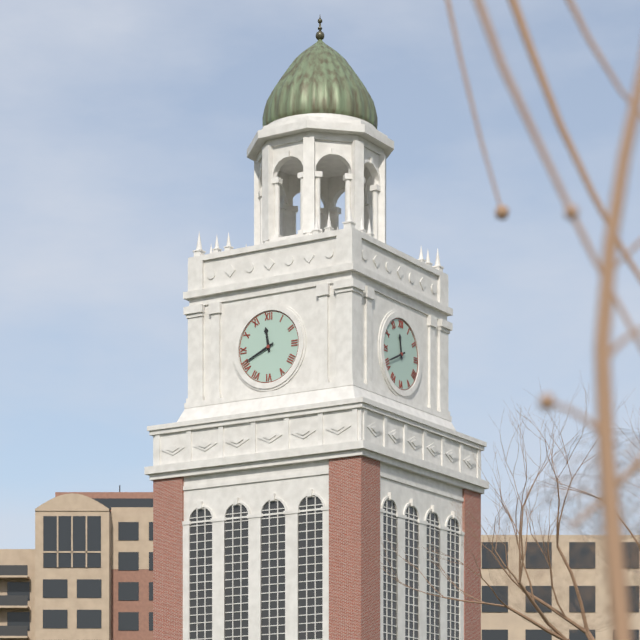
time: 11:41
